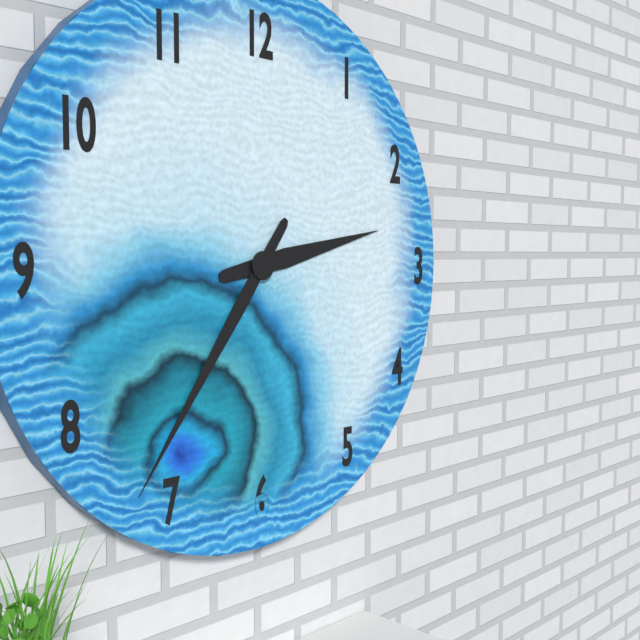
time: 2:36
